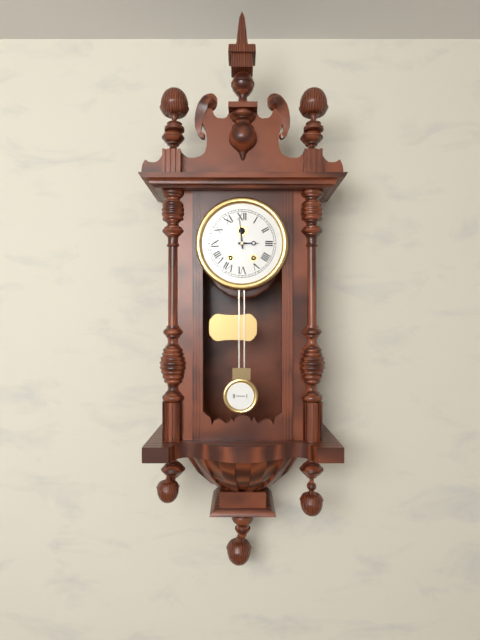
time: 2:59
